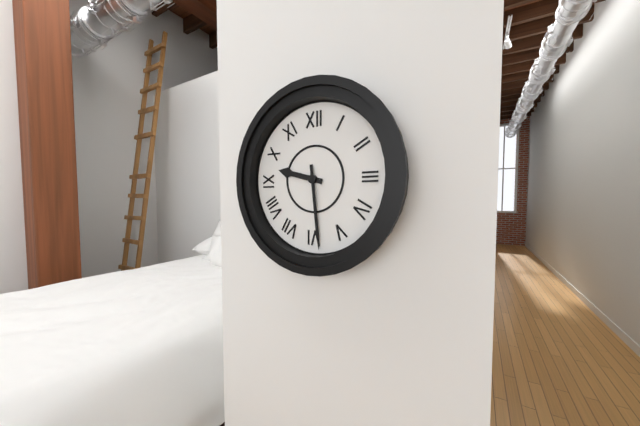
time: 9:29
